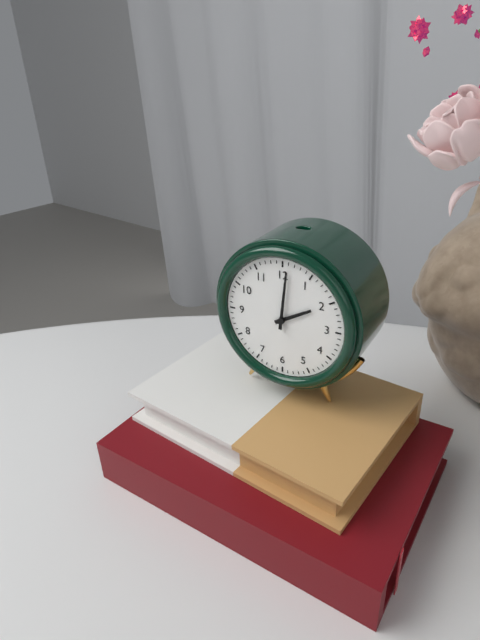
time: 2:01
